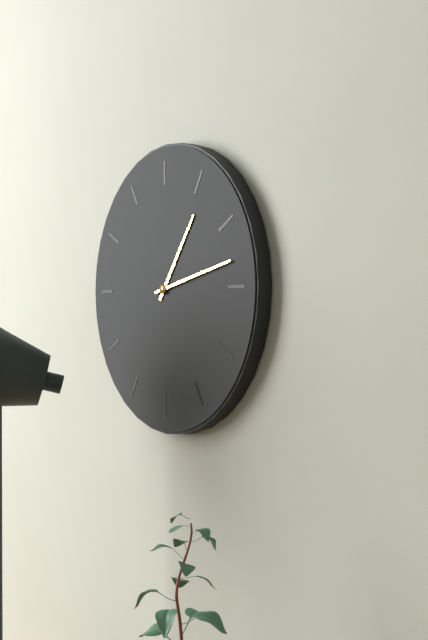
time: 1:13
